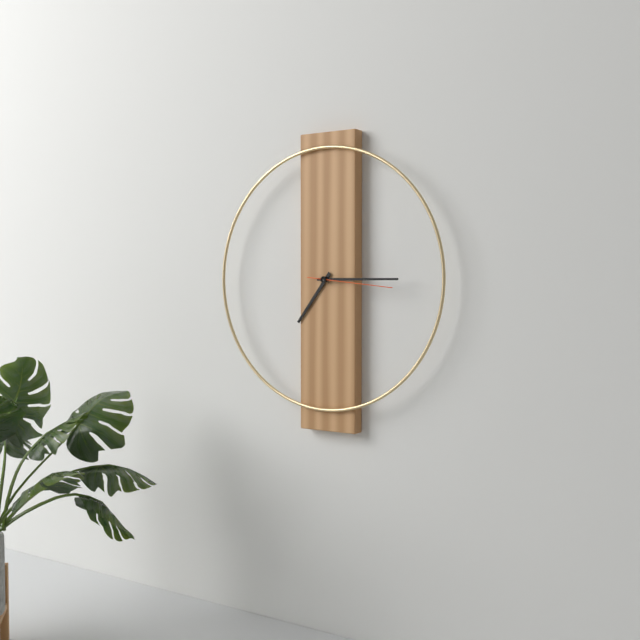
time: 7:15:16
